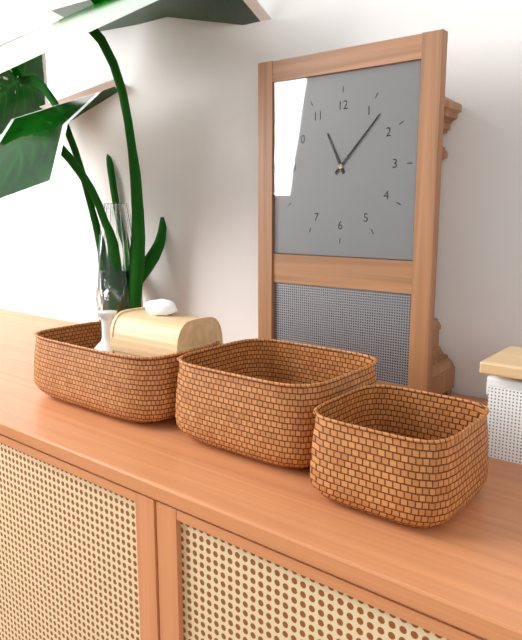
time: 11:07
